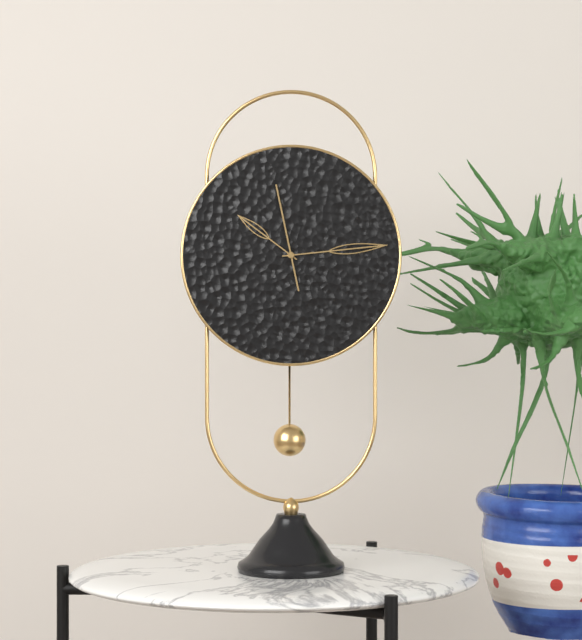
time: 10:14:58
